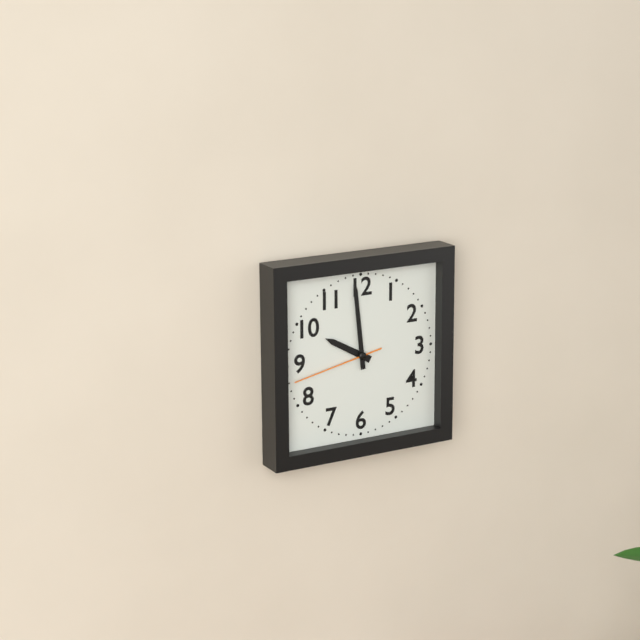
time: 9:59:43
